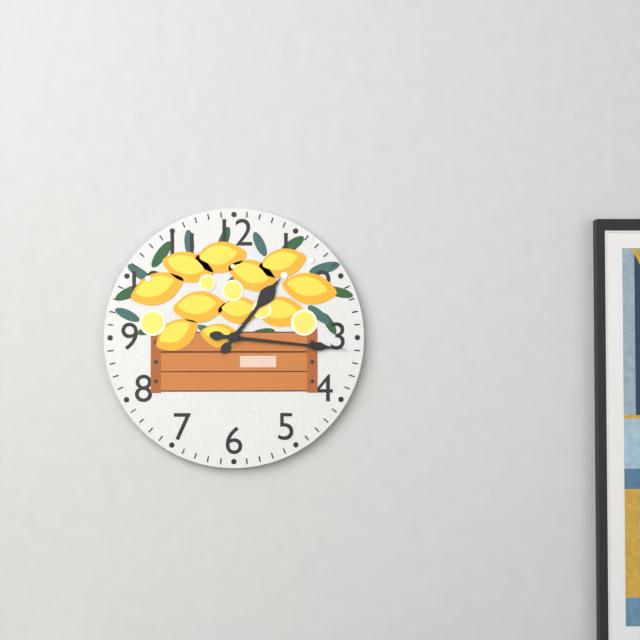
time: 1:16
